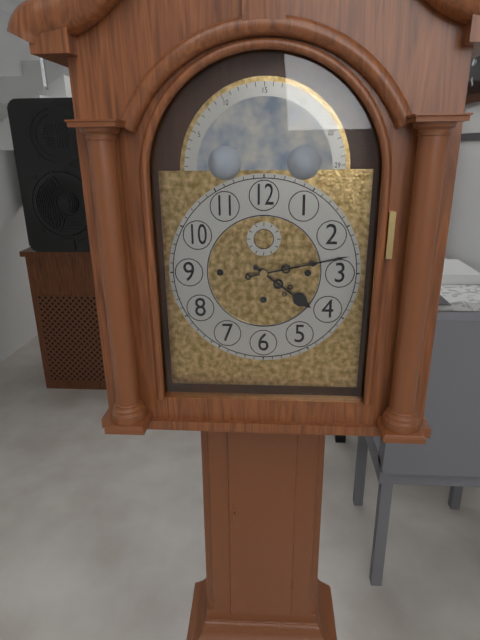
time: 4:13
